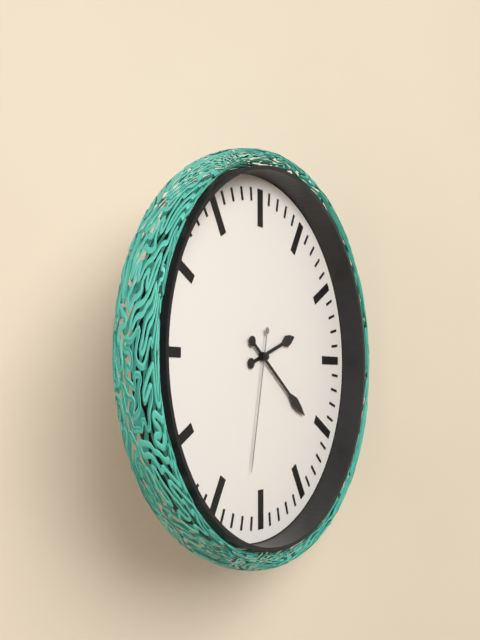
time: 2:21:32
